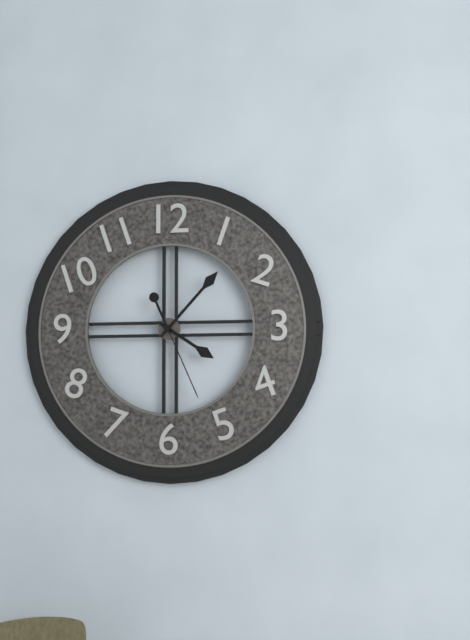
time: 4:07:26
